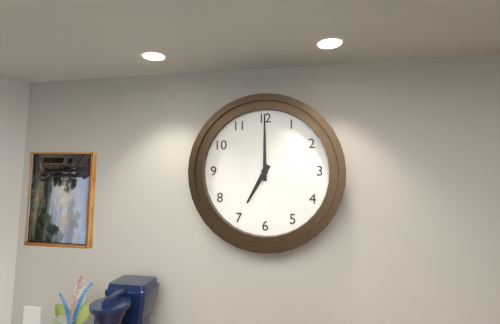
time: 7:00
